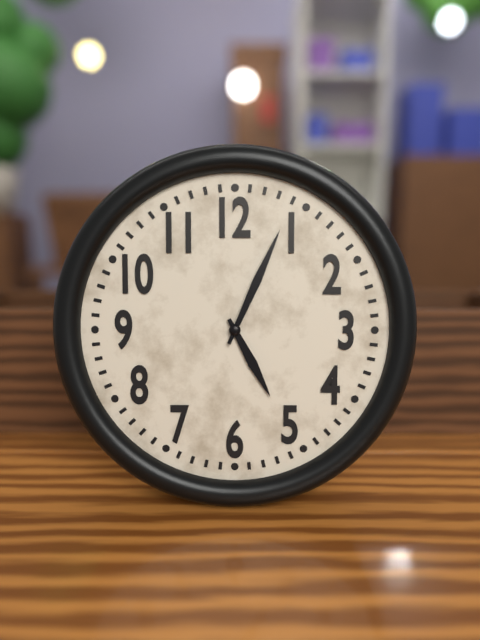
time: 5:04
